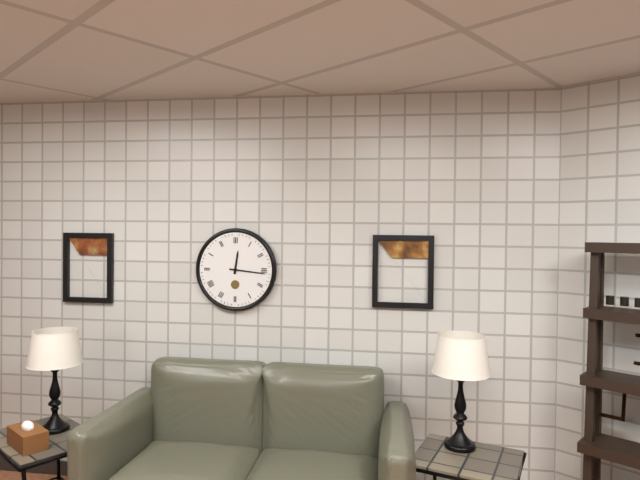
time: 12:16
